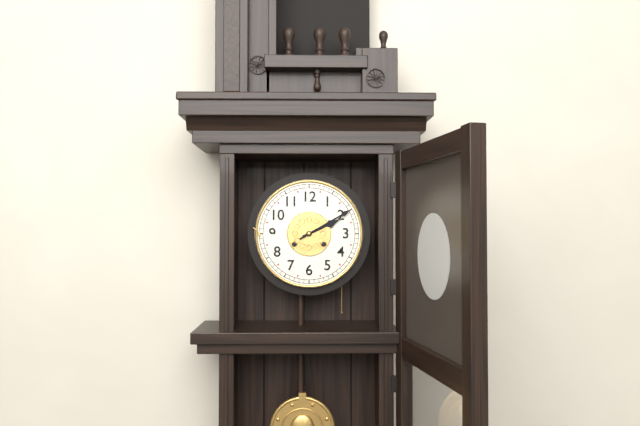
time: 2:10
